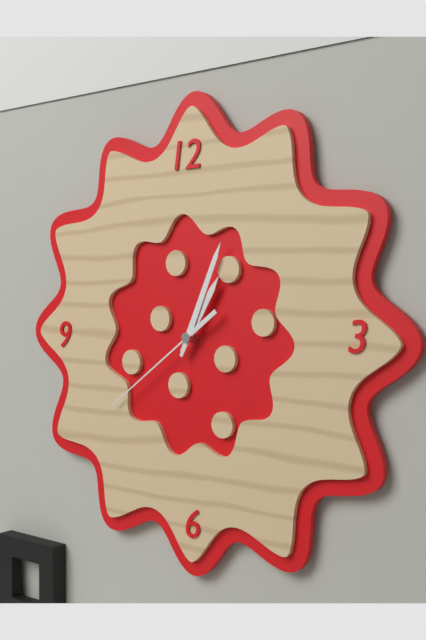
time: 1:04:39
